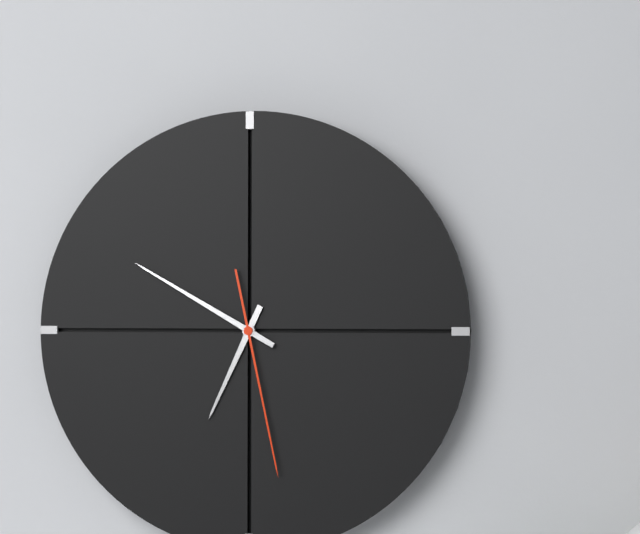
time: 6:50:28
